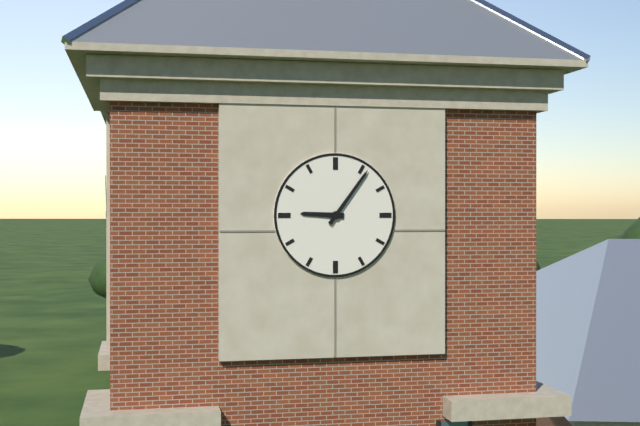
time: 9:06
